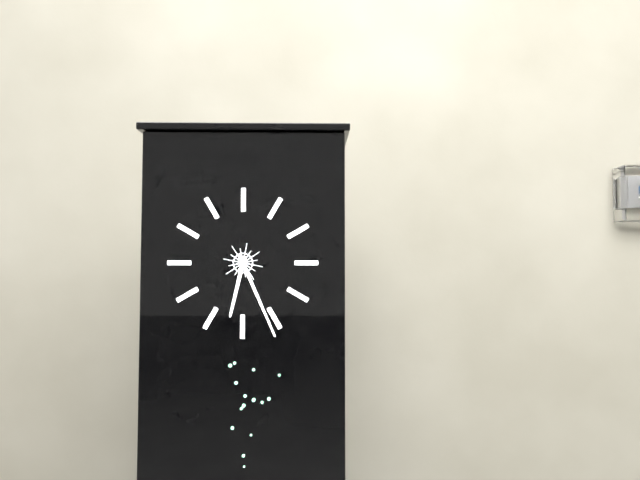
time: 6:26
